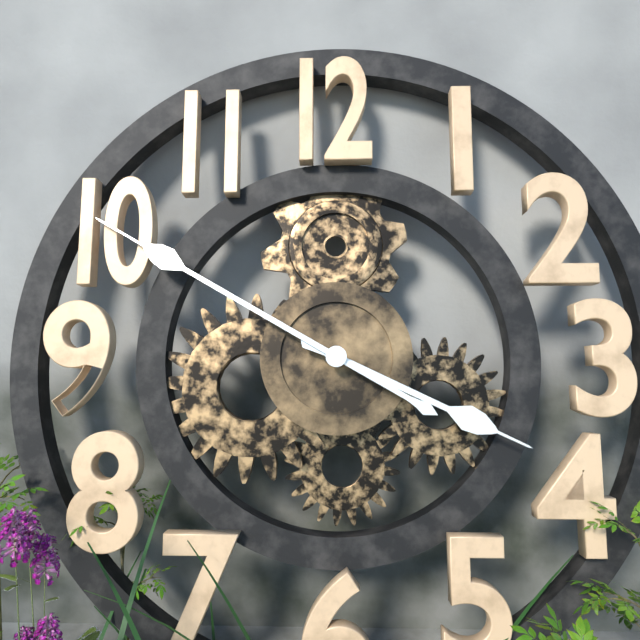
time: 3:50
